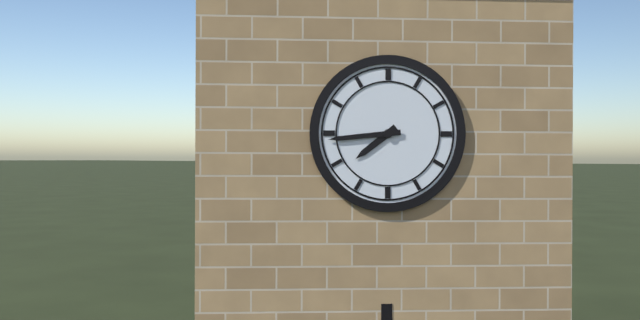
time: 7:44
